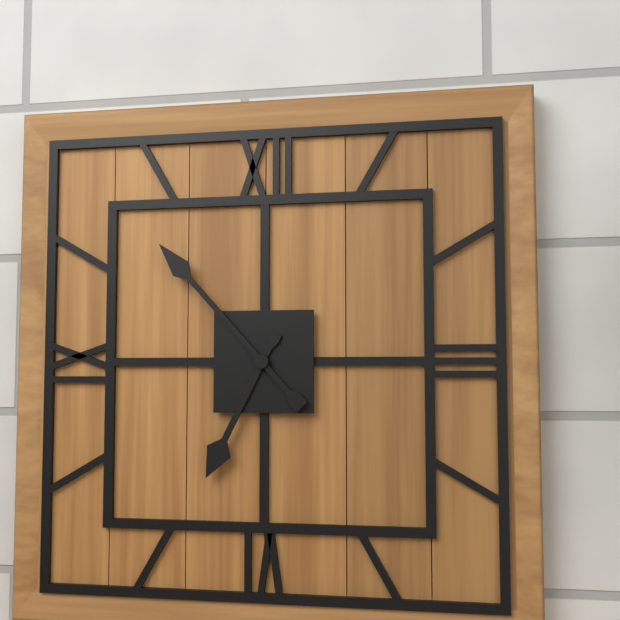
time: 6:53
